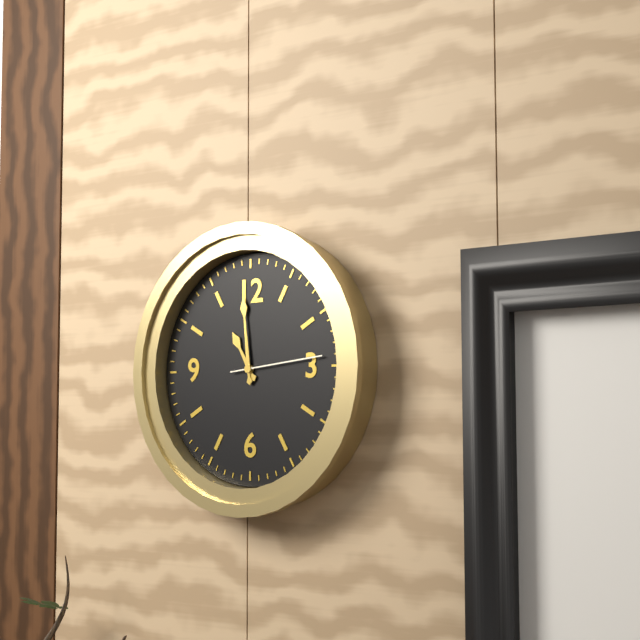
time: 10:59:14
